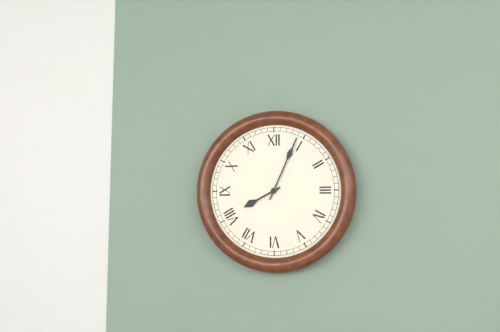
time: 8:04
